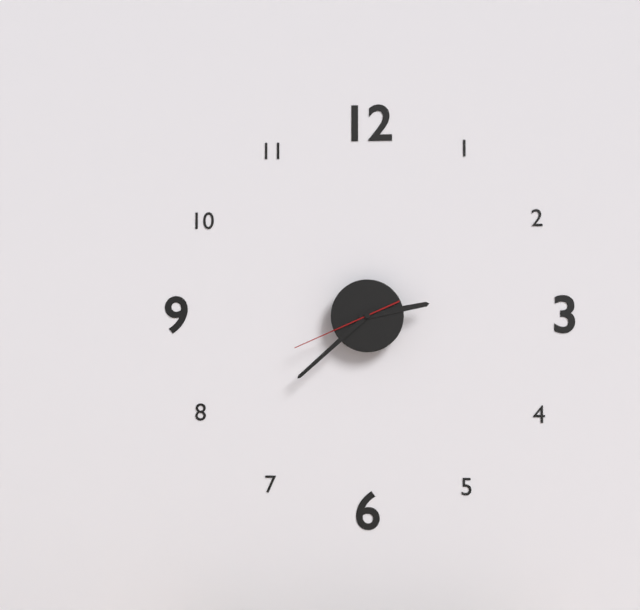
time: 2:38:41
